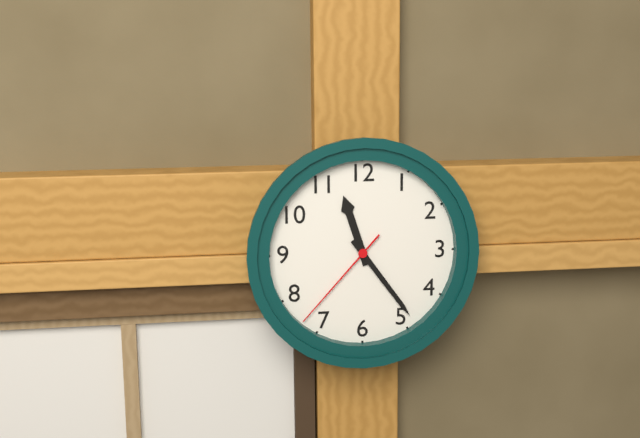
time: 11:24:37
